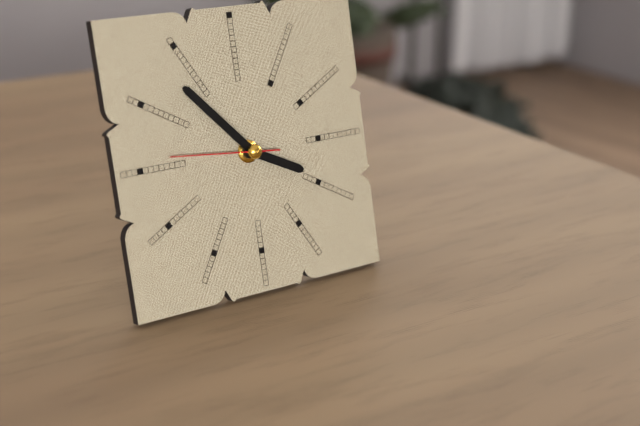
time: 3:53:46
